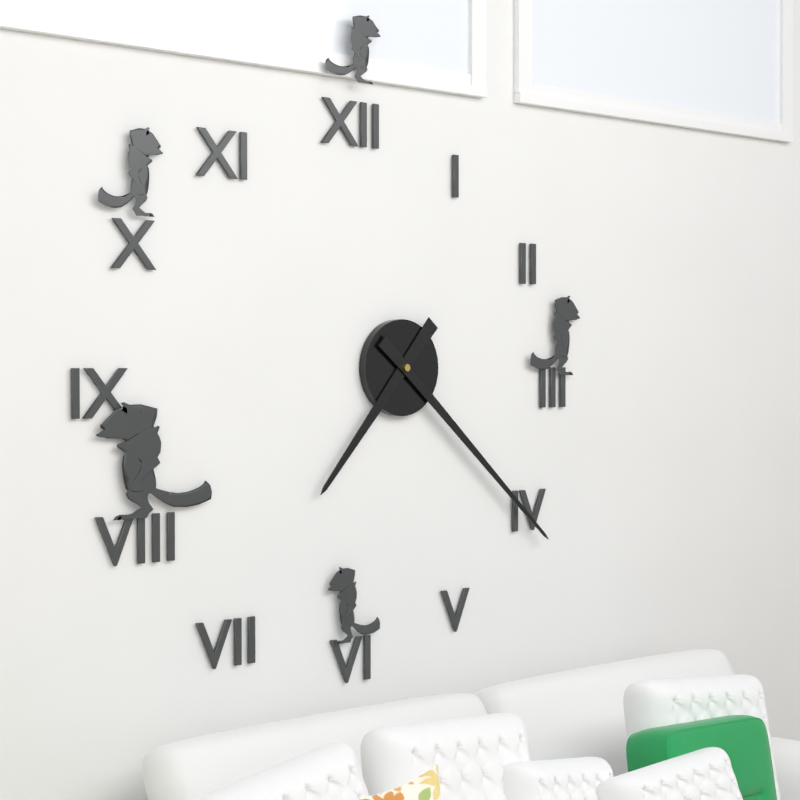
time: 7:22
